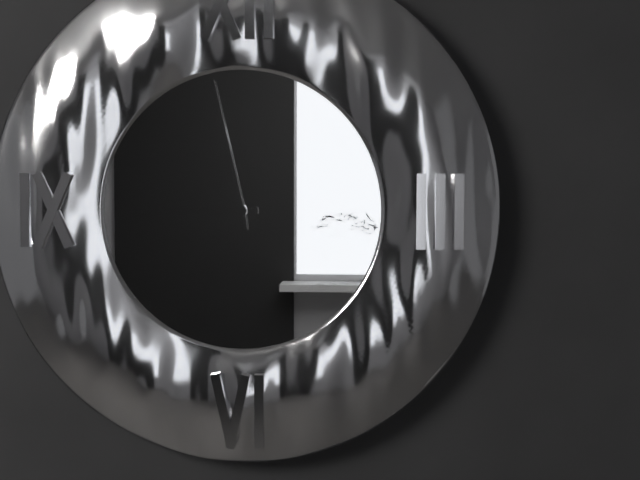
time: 8:58
